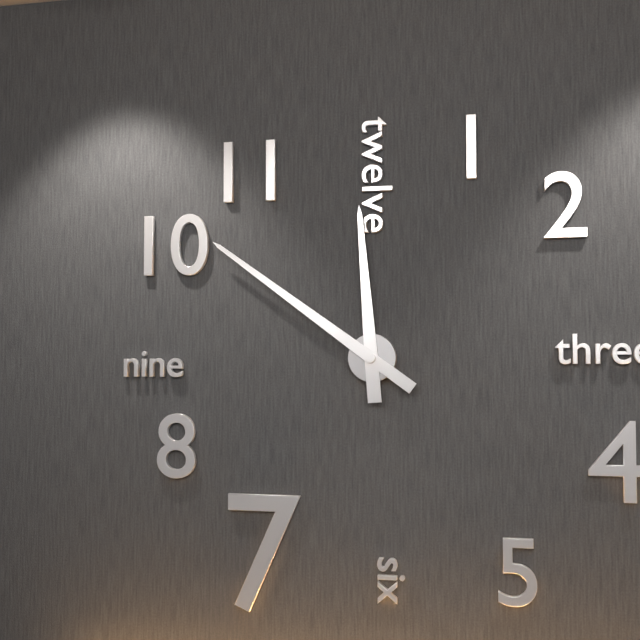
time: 11:51
